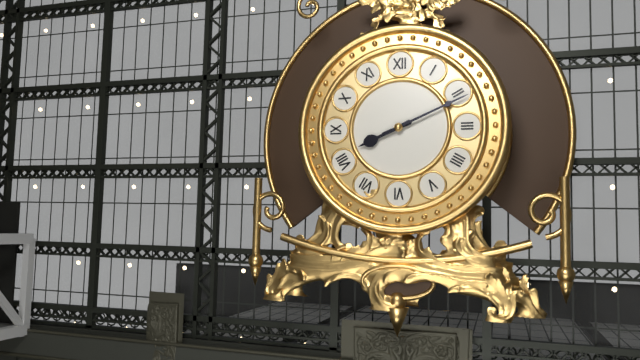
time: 8:11
